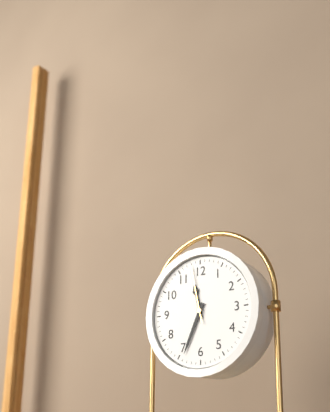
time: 11:34:58
